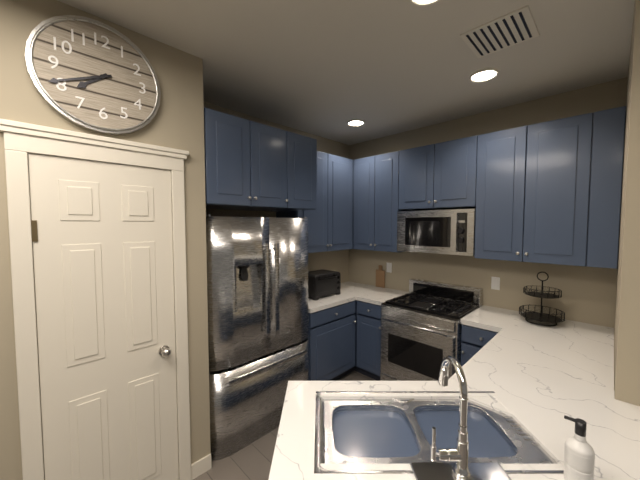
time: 7:41
